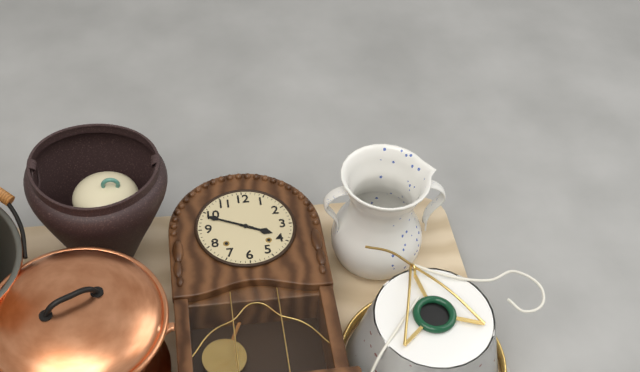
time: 3:49
